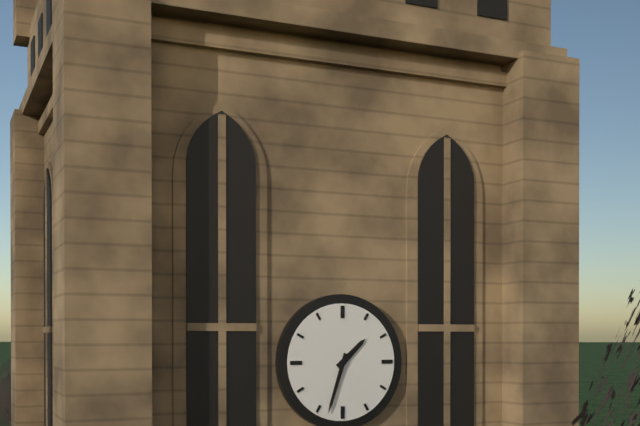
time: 1:33
